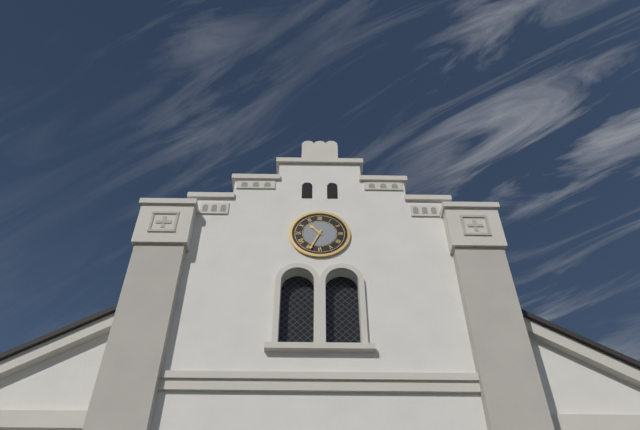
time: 10:34
